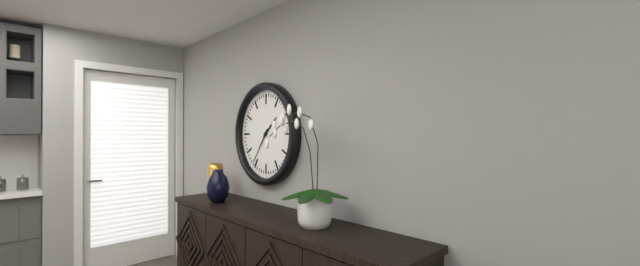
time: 1:36
